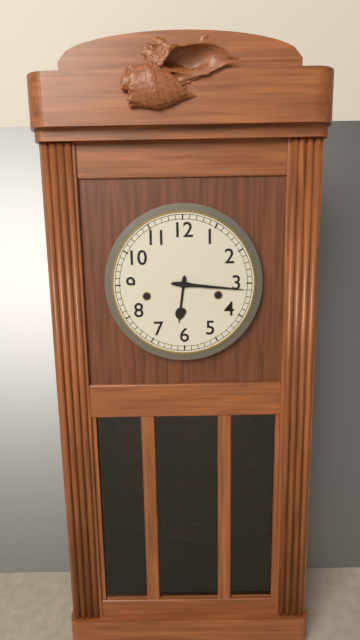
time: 6:16
